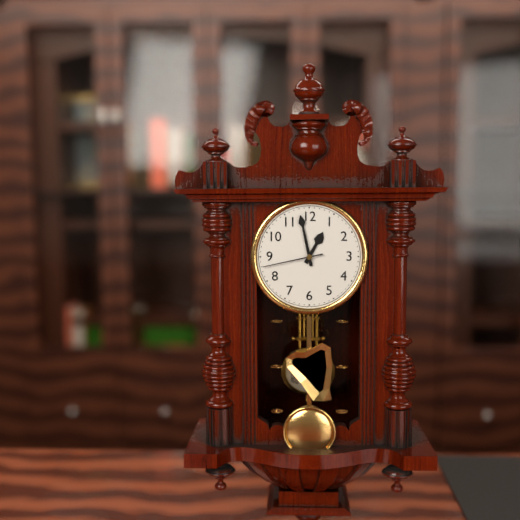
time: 12:58:43
